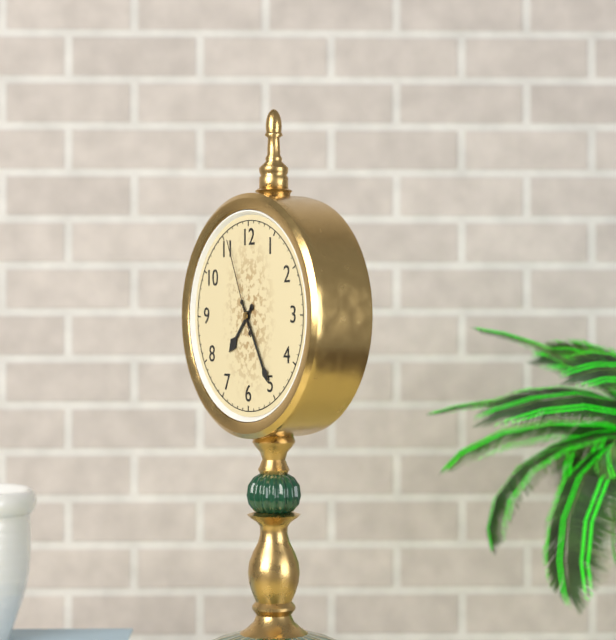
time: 7:25:56
